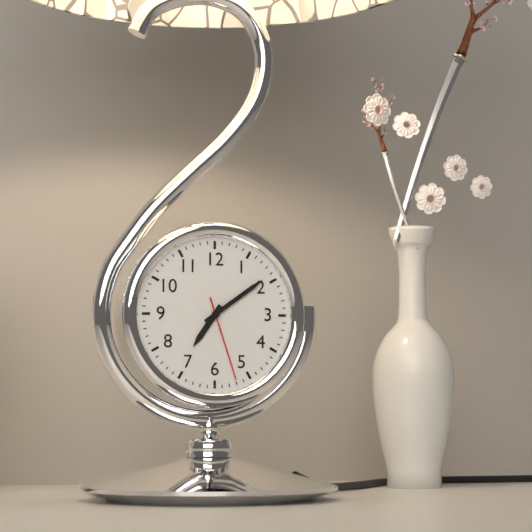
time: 7:09:27
